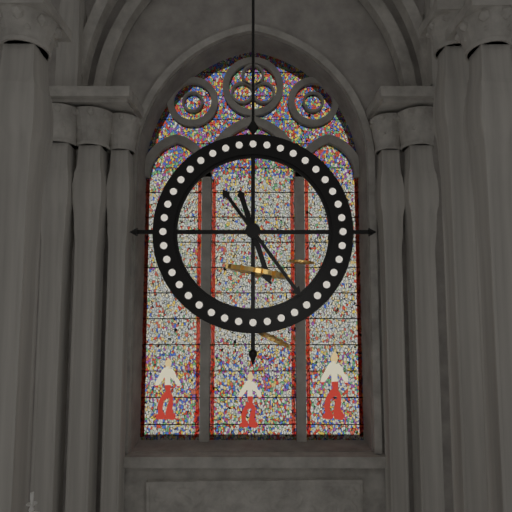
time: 5:24
